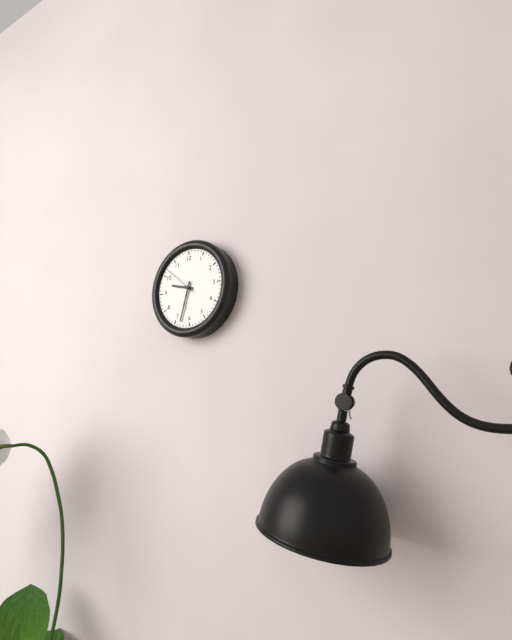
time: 9:33
